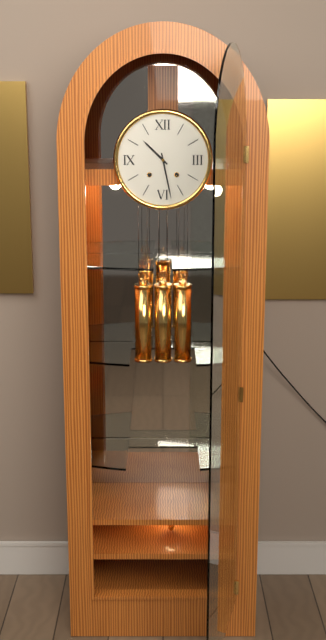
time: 10:28
